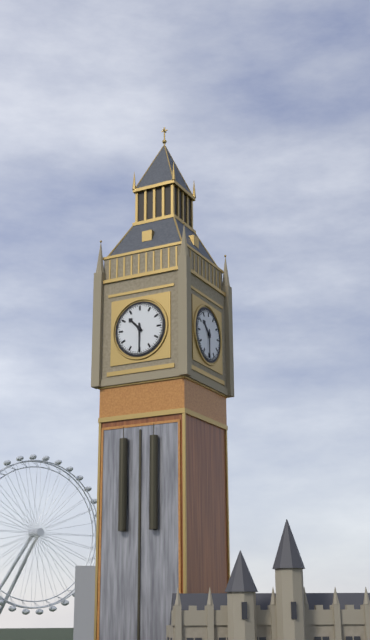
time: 10:30
